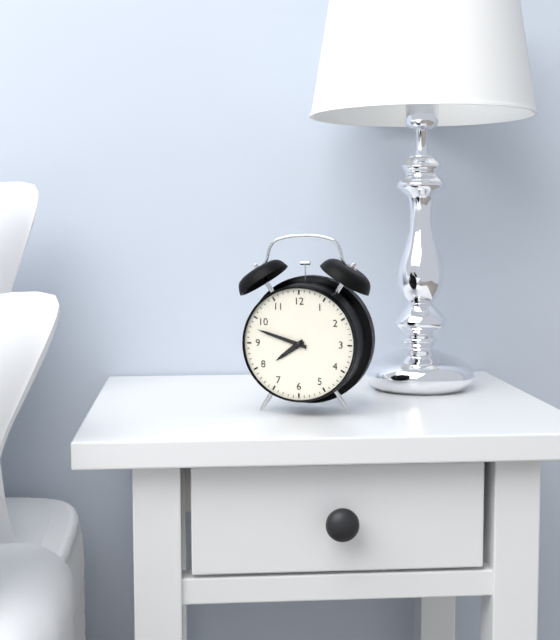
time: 7:48
